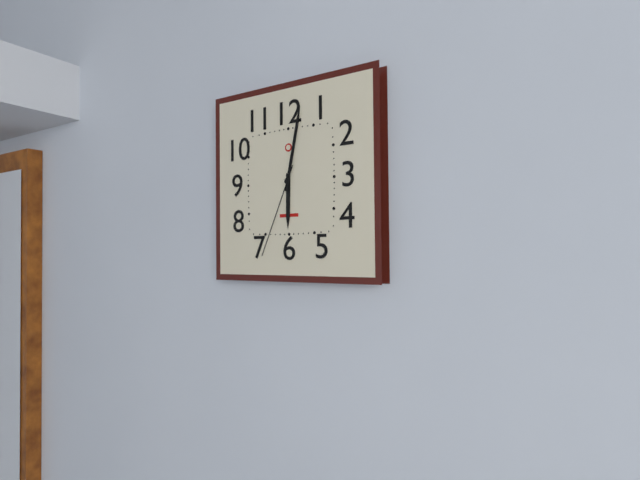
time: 6:02:34
